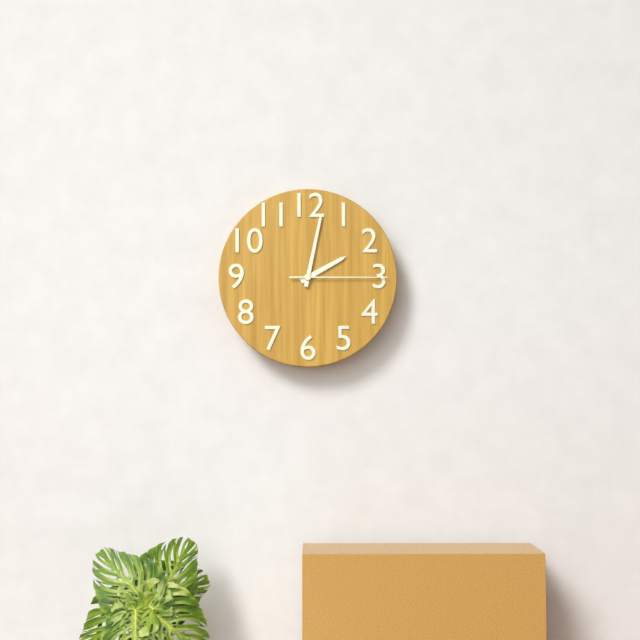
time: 2:02:15
